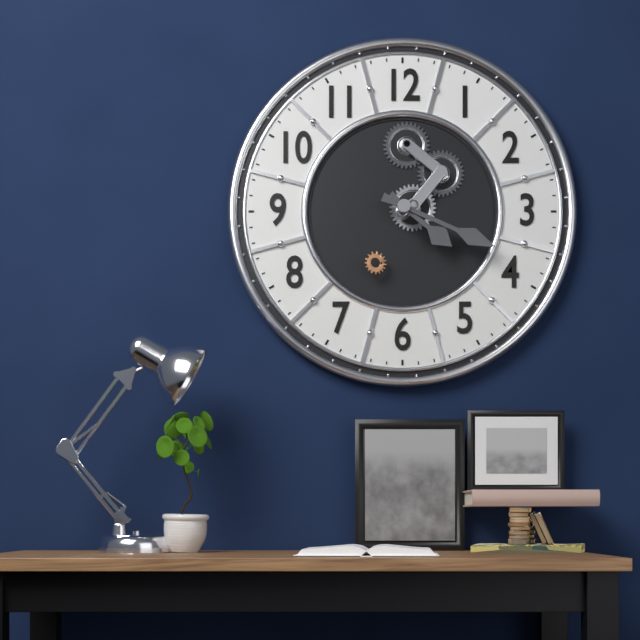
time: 4:19
